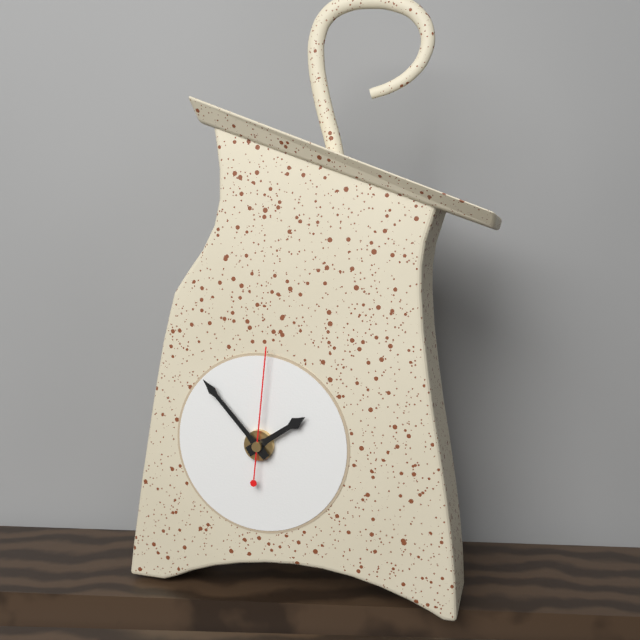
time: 1:53:01
